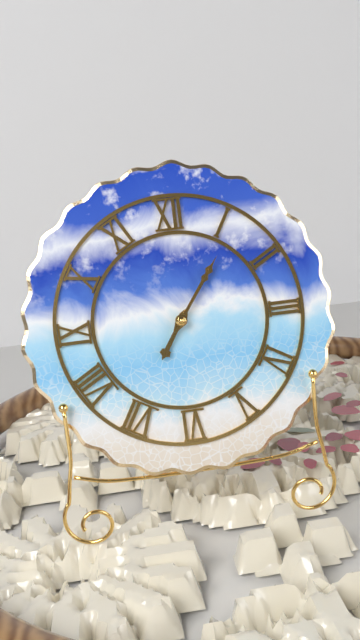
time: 7:06:06
